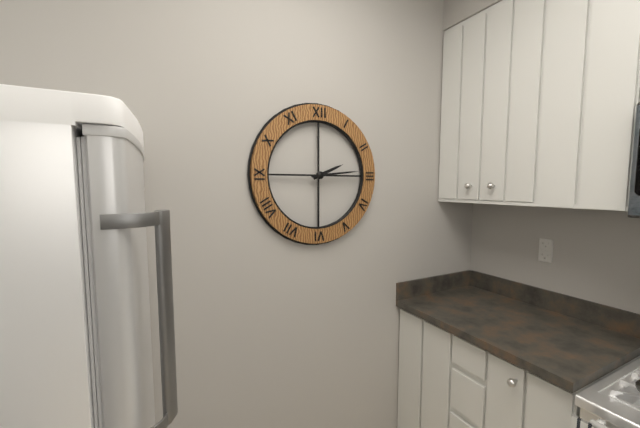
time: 2:14
